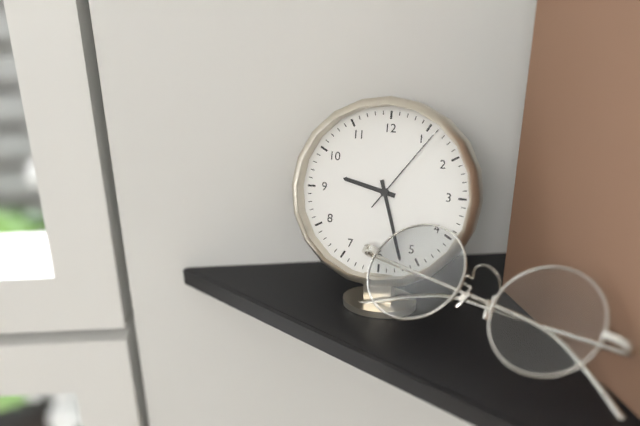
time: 9:27:06
